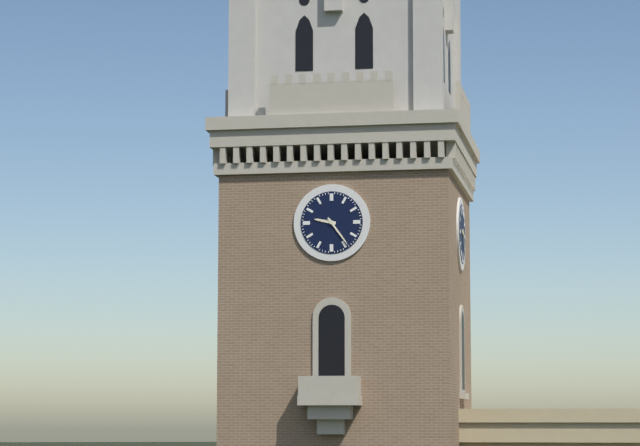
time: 9:24
